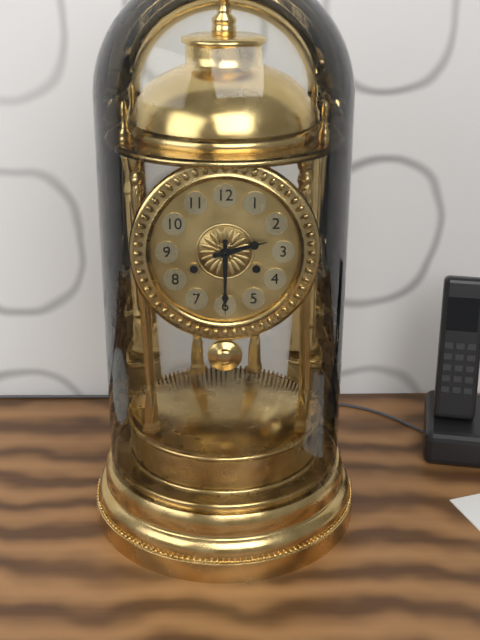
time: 2:30
